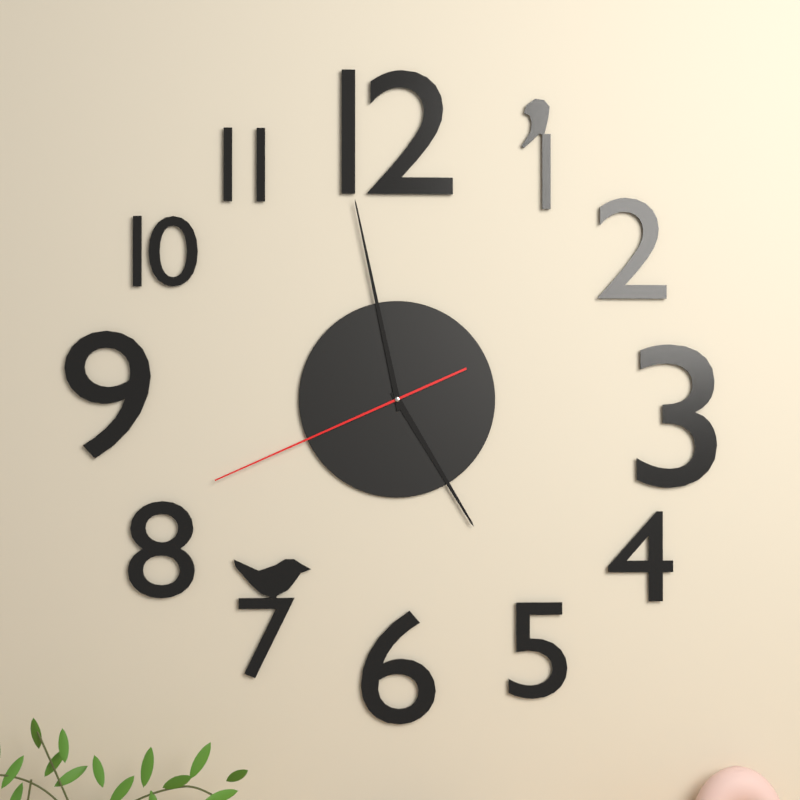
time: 4:58:41
